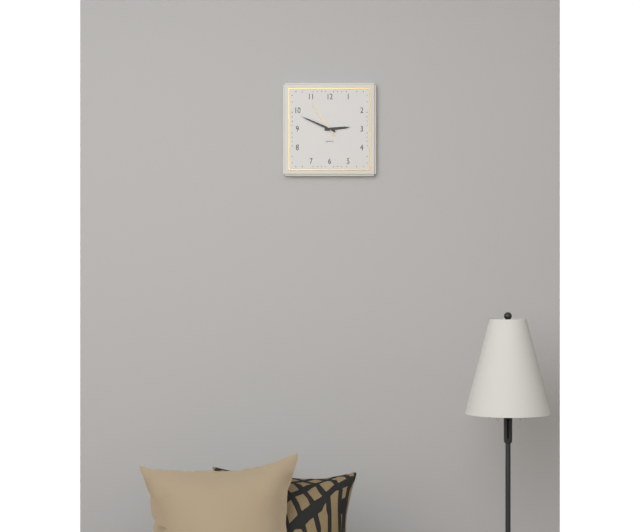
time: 2:49
